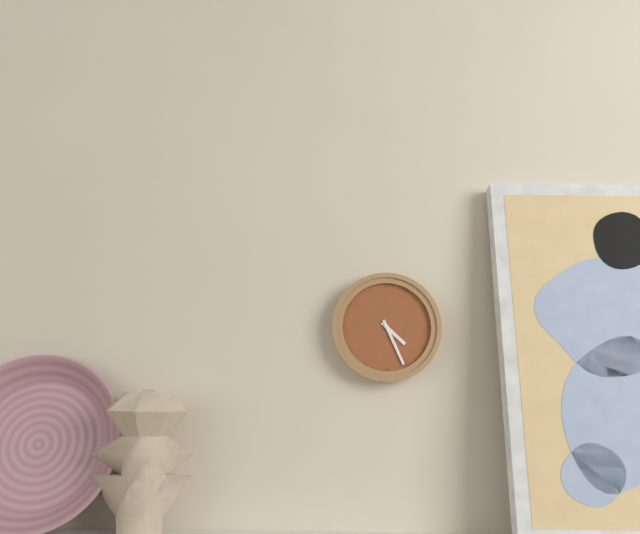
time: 4:26
